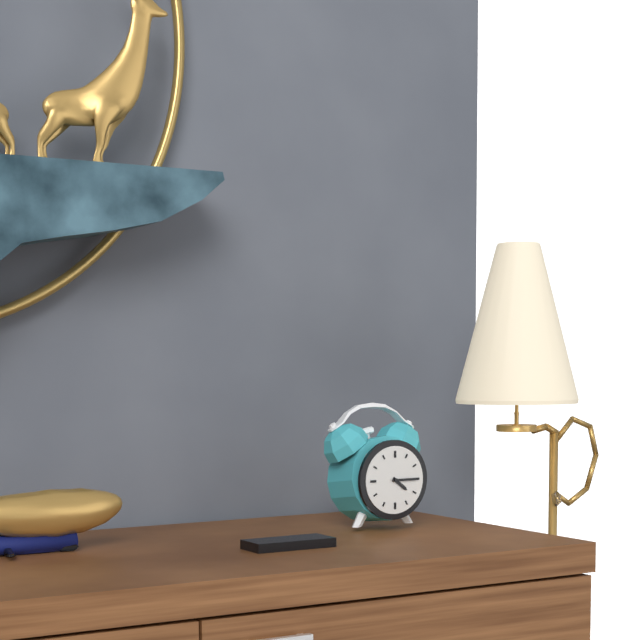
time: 4:15
